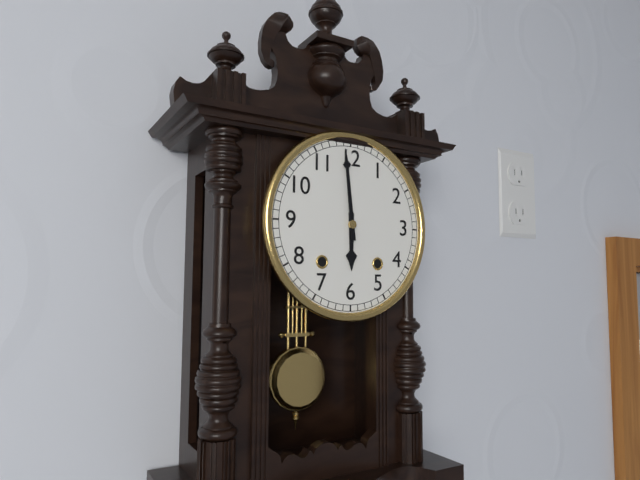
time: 5:59
